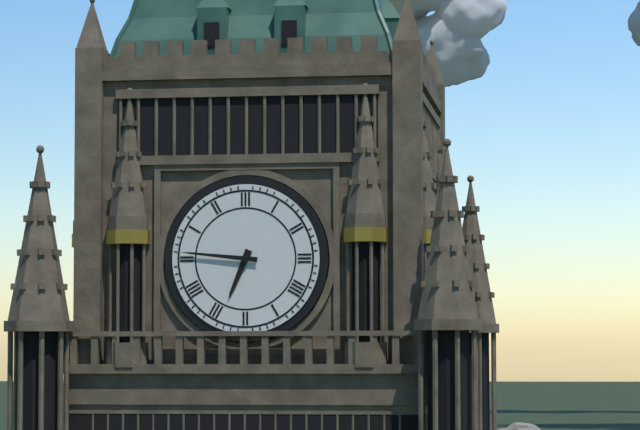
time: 6:46
